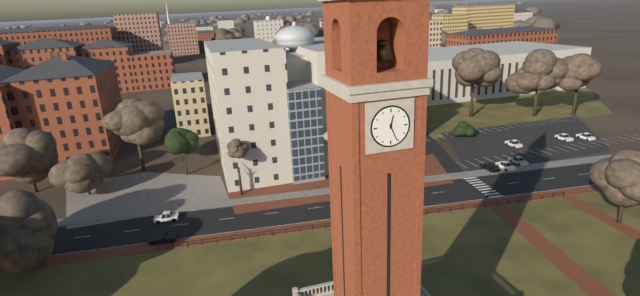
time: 12:26
